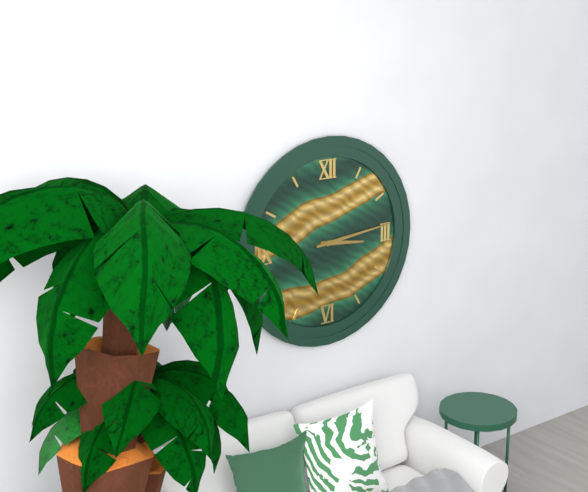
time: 3:14
